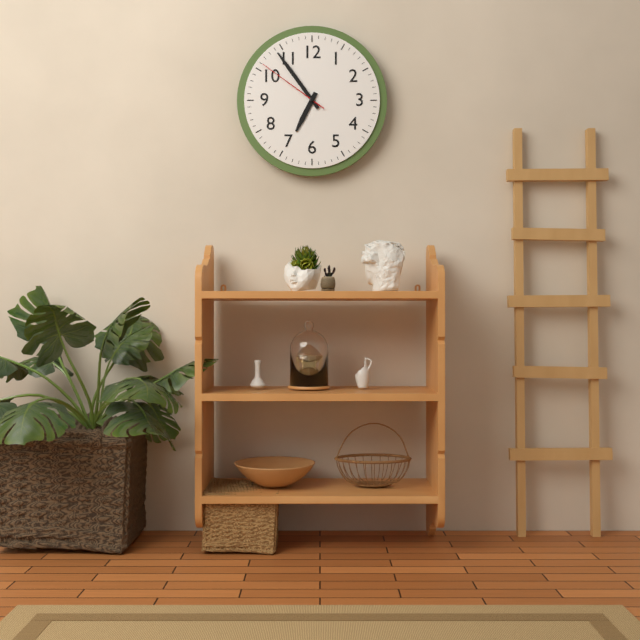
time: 6:54:51
